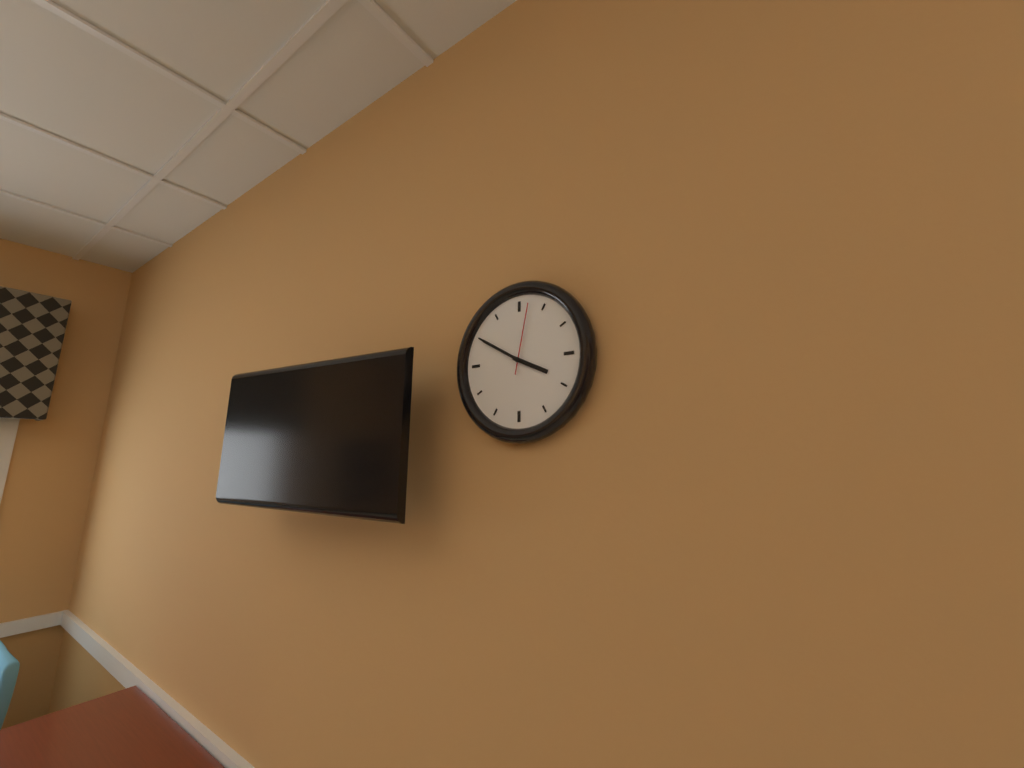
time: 3:50:02
